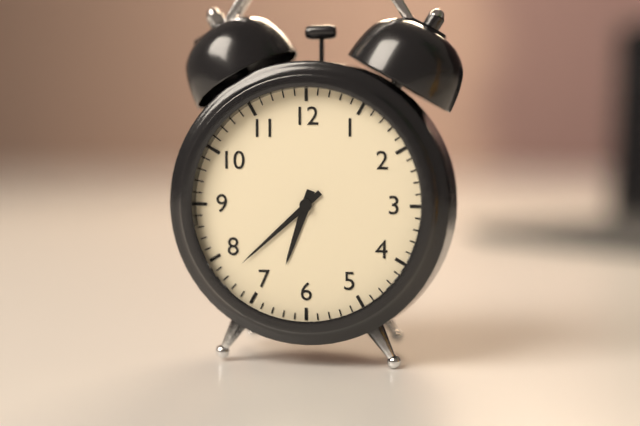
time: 6:38
